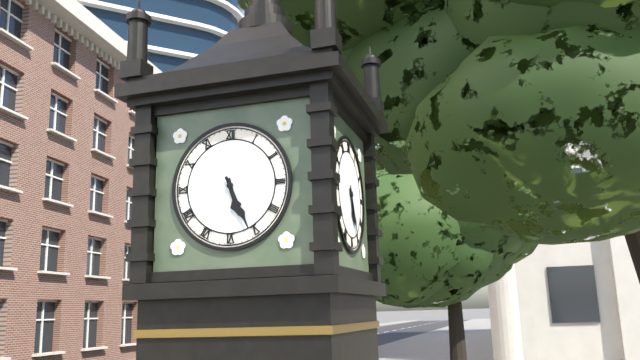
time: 5:26
